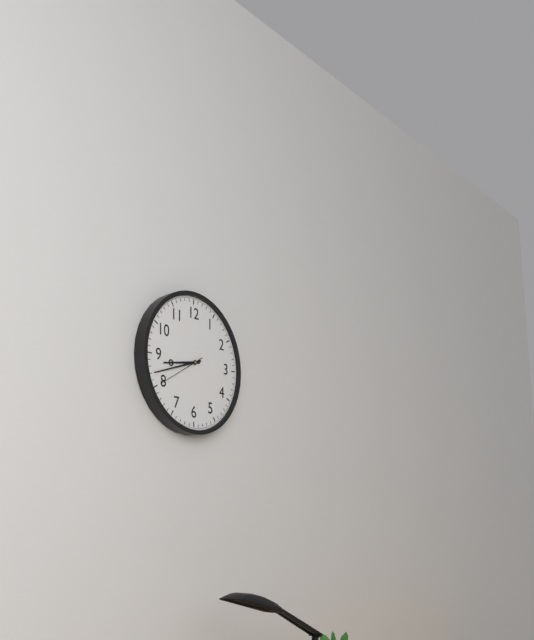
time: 8:42
